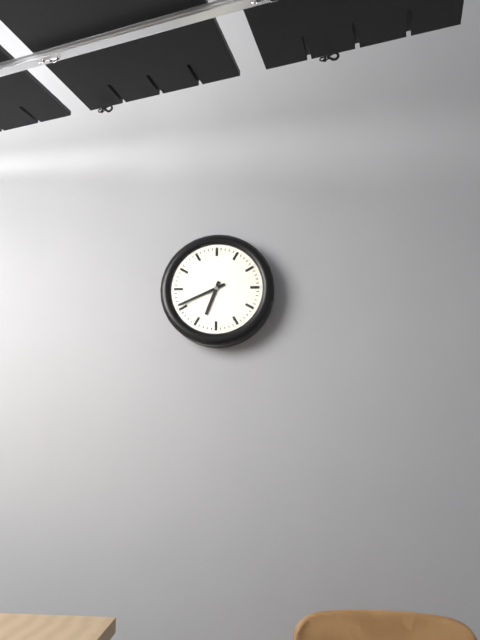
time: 6:41
